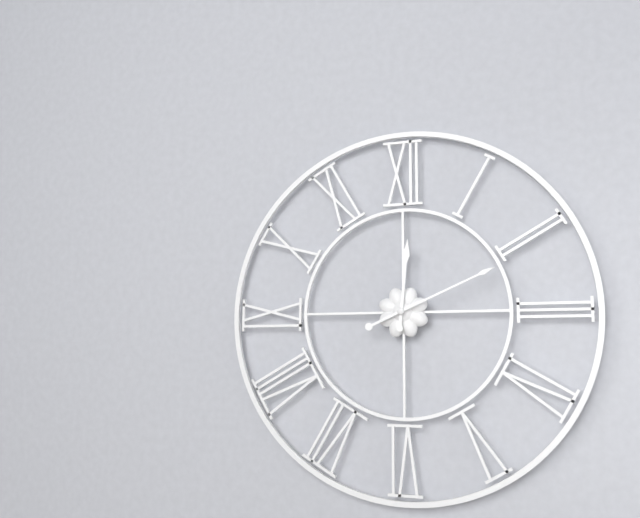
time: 12:11
